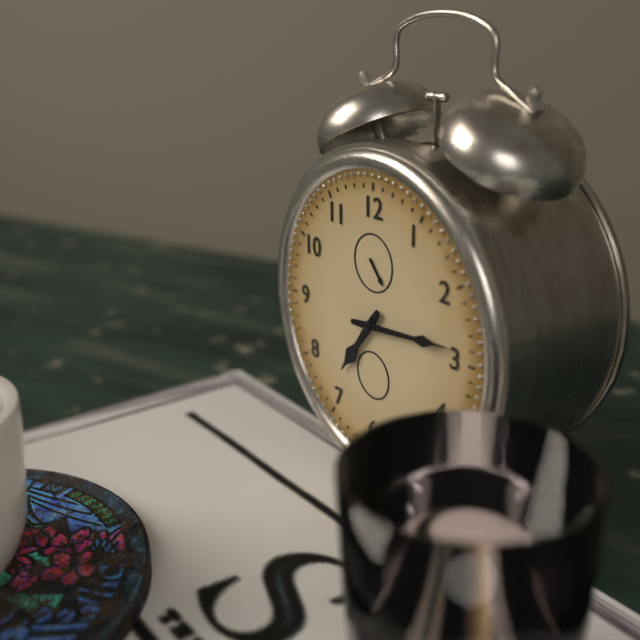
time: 7:14
